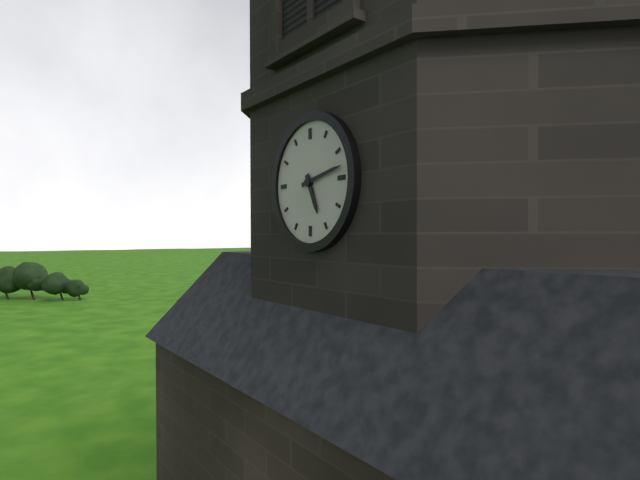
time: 5:13
